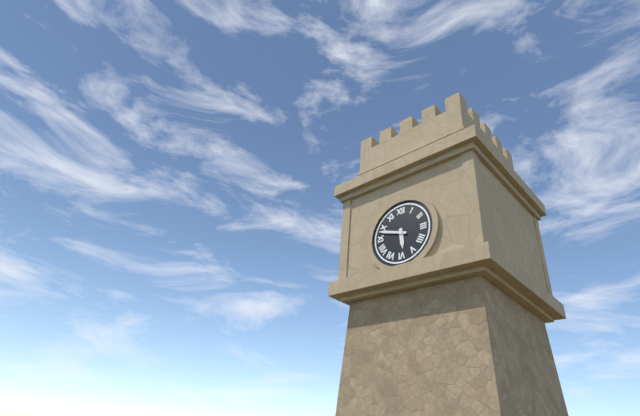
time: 5:48
